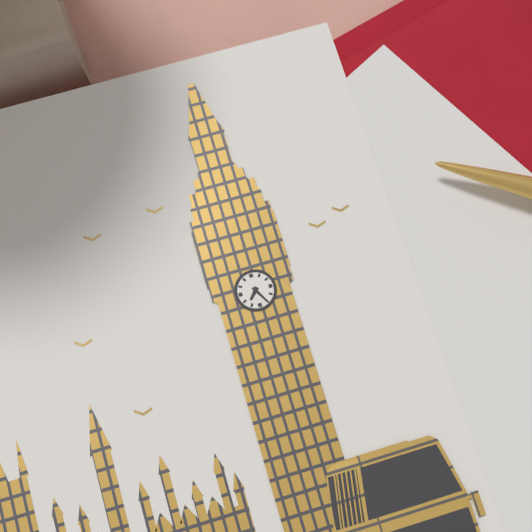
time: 7:25
